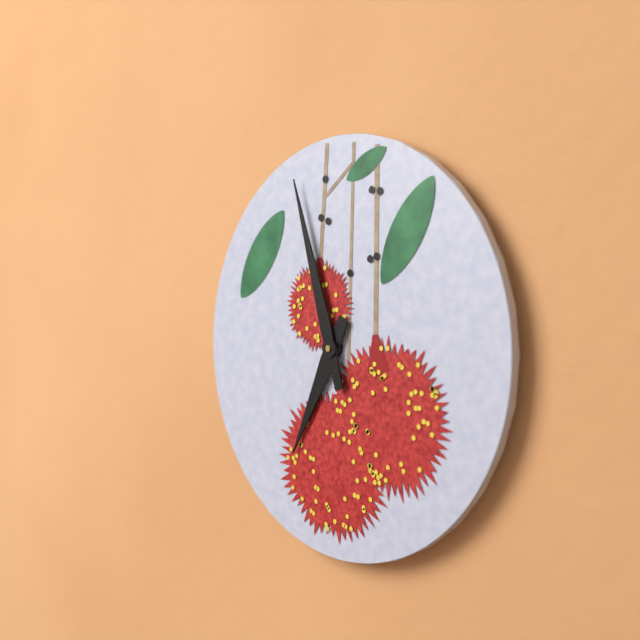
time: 6:57
